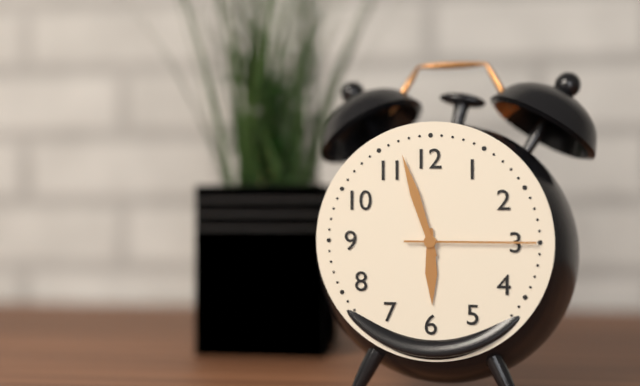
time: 5:57:15
